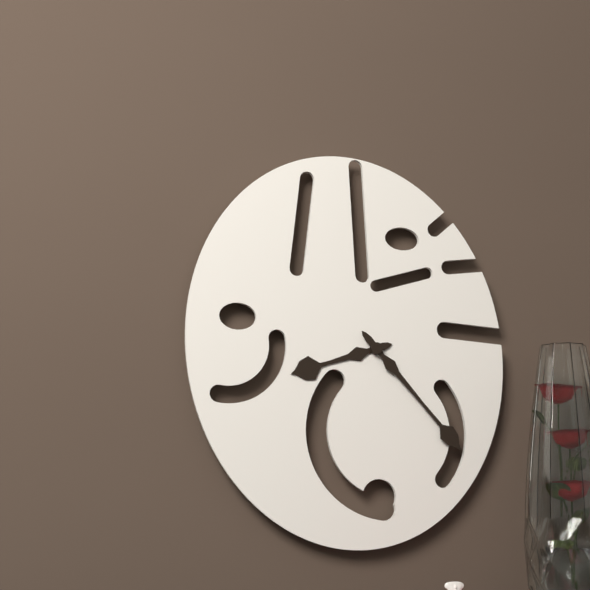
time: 8:23
